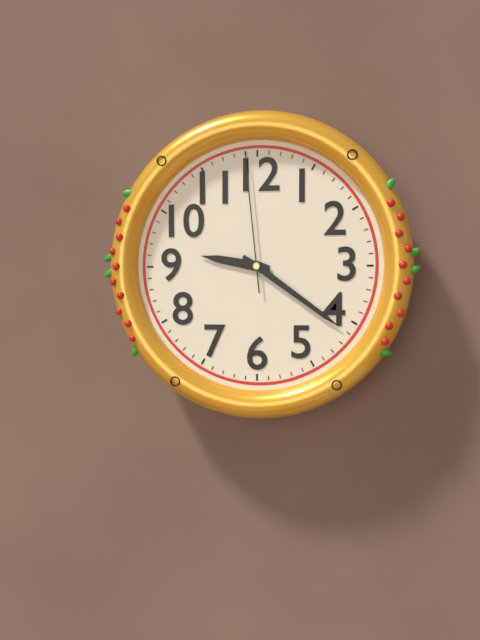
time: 9:21:59
